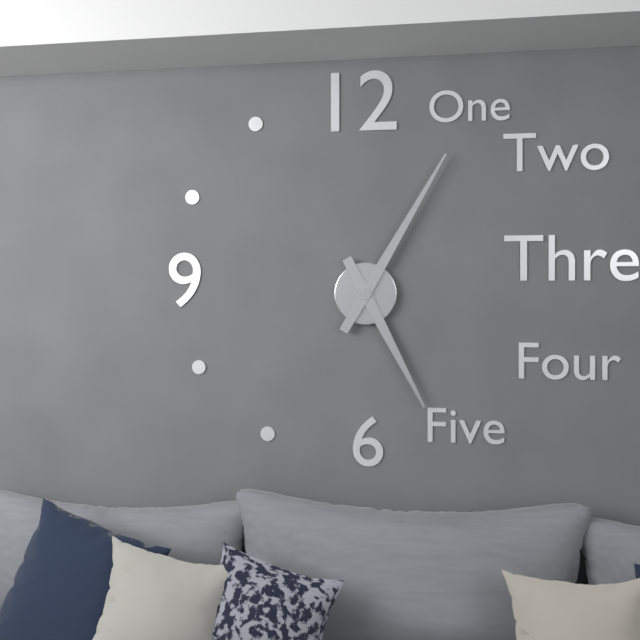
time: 5:05
